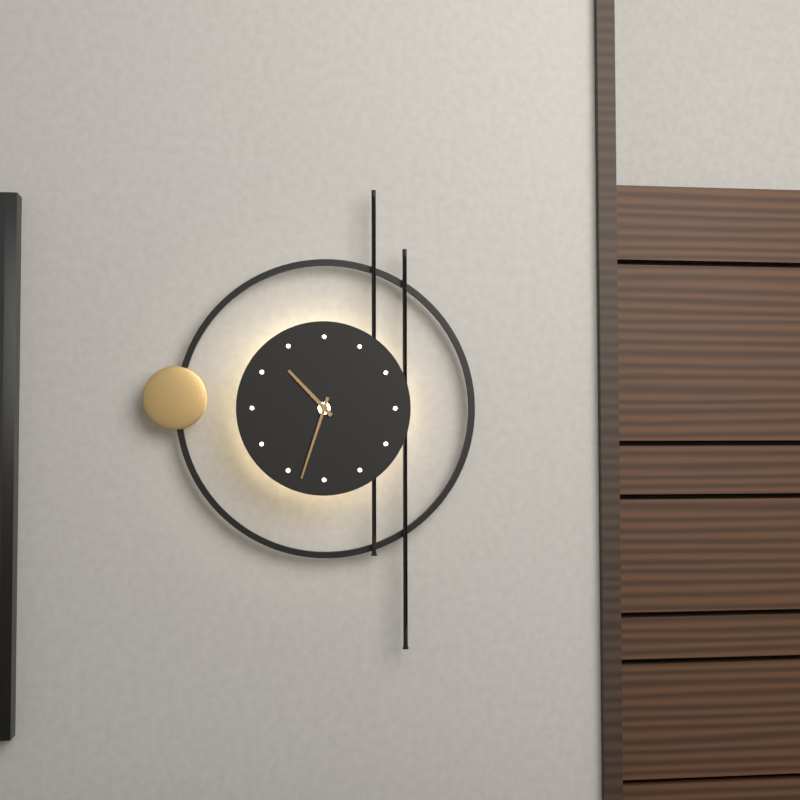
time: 10:33
